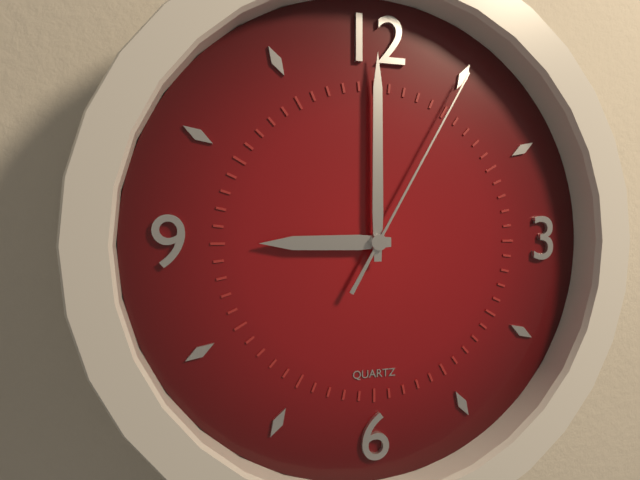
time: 9:00:05
